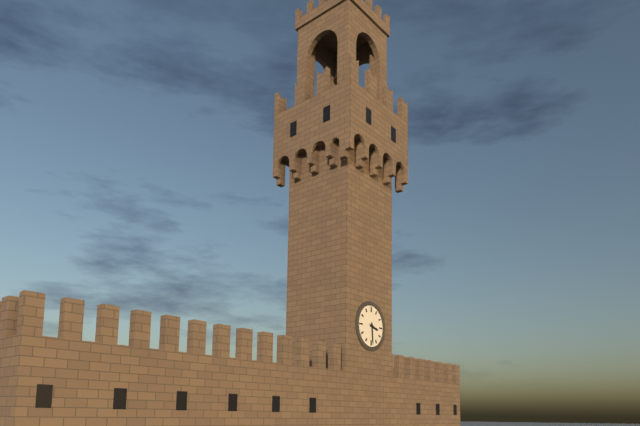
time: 3:29
